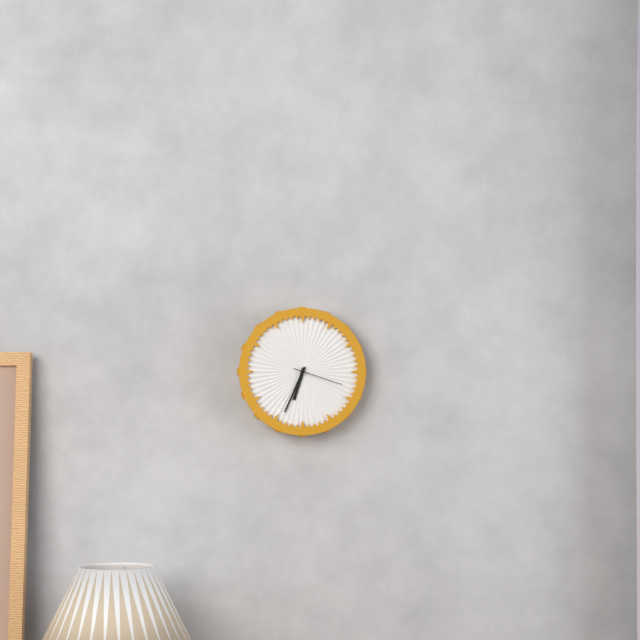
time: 6:34:18
